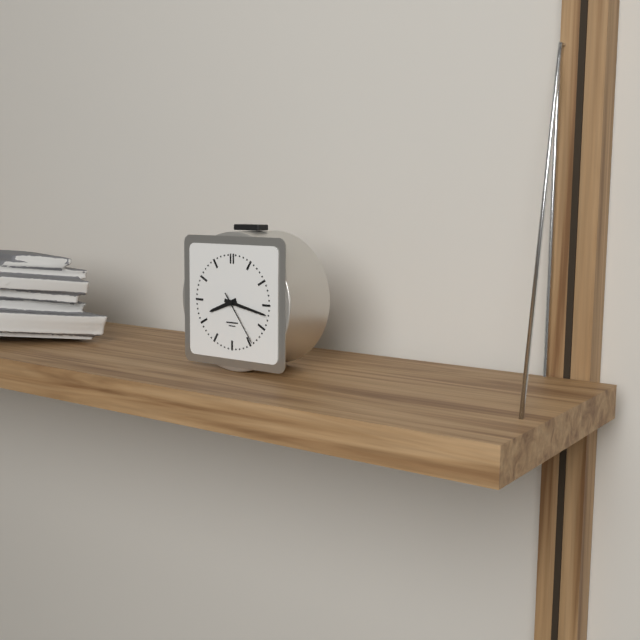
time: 8:17:24
